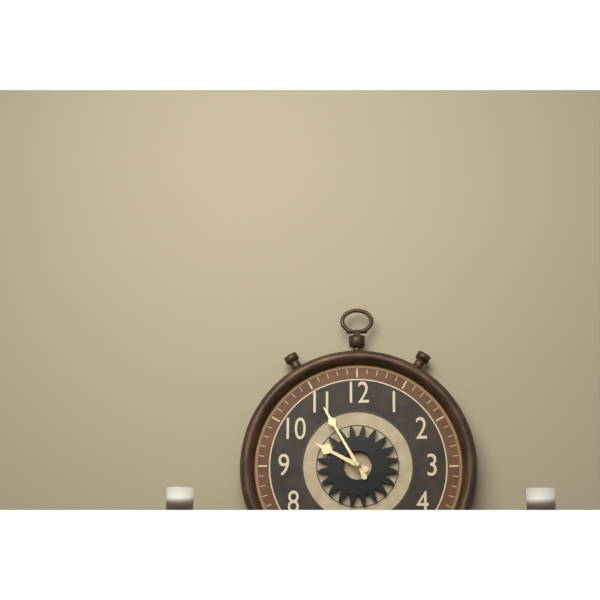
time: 9:55
